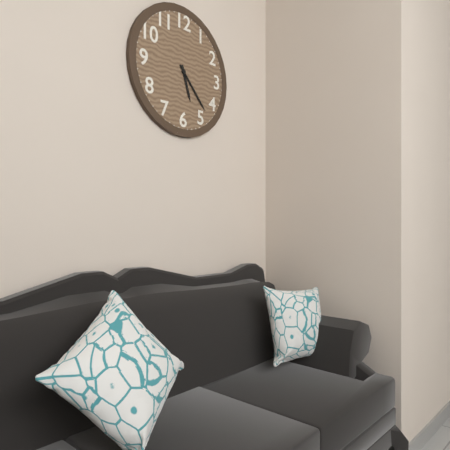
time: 5:23
